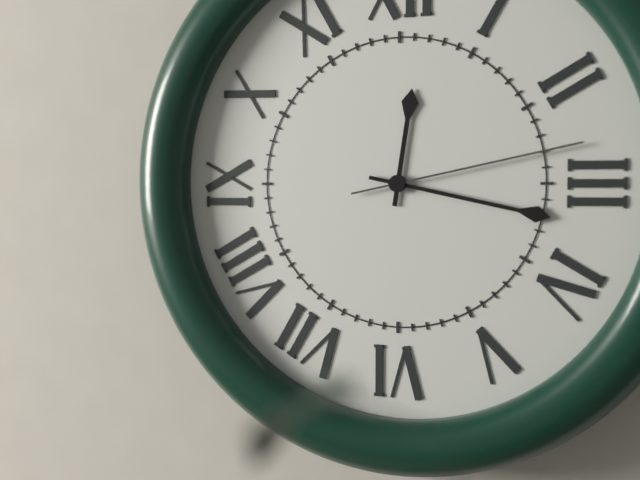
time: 12:17:13
